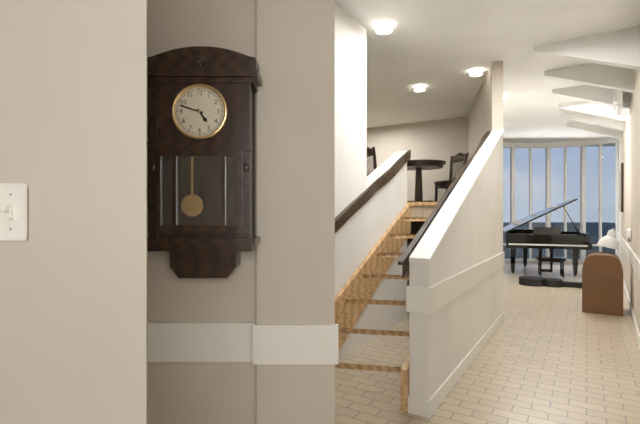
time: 4:48
